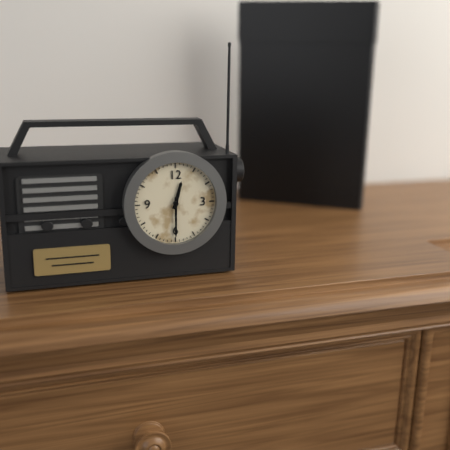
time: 12:30
